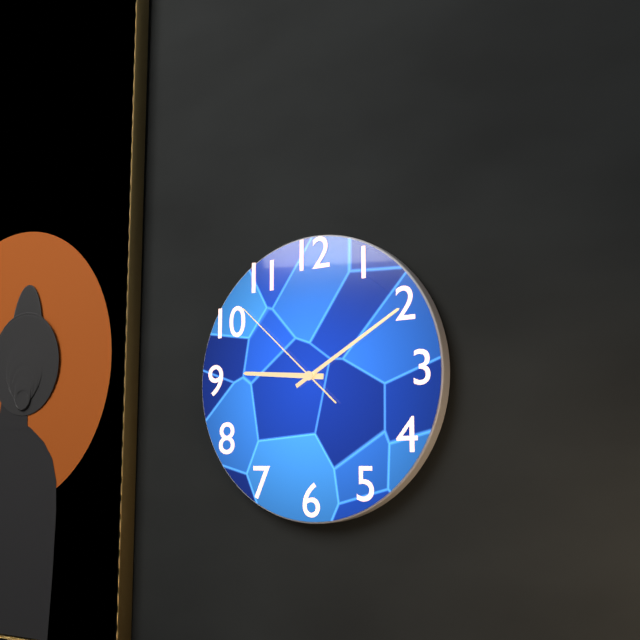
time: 9:10:52
